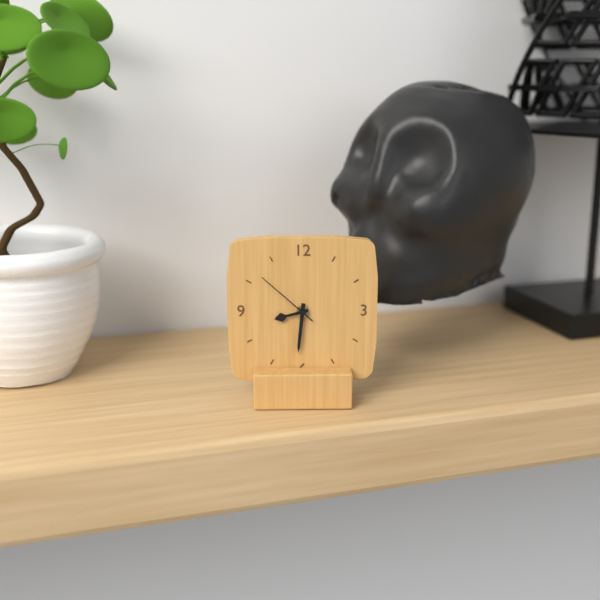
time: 8:31:52
